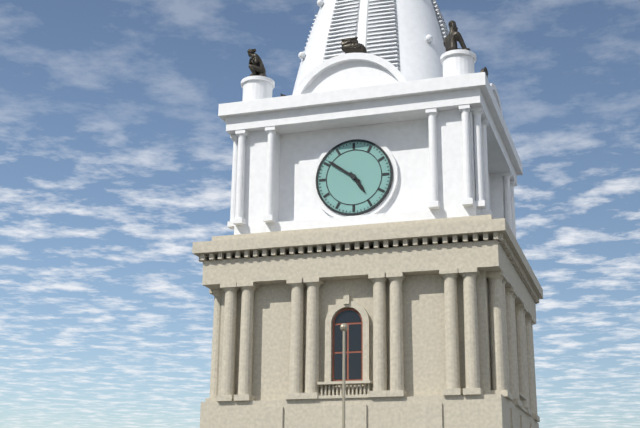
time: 4:51
